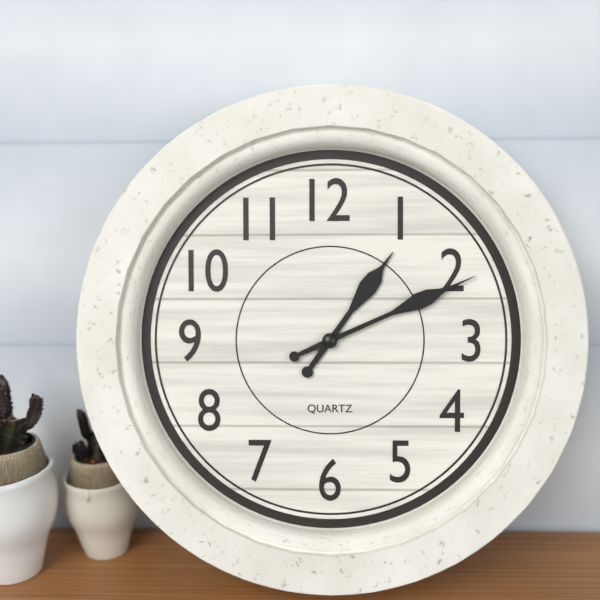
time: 1:11
